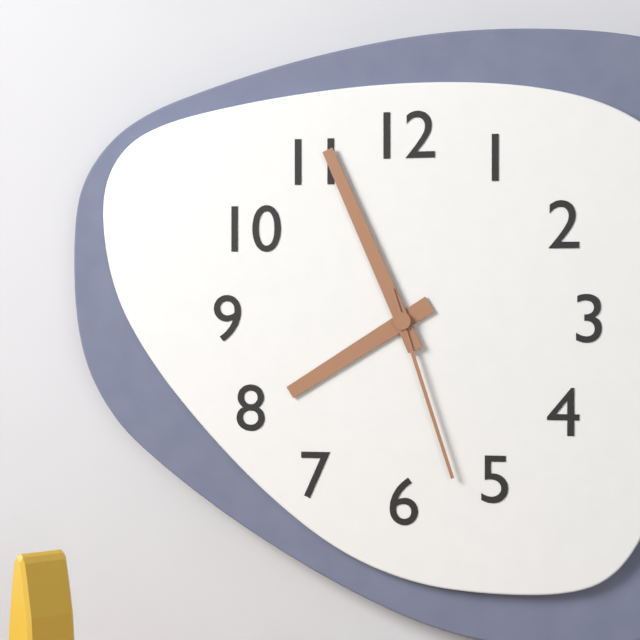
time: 7:56:27
